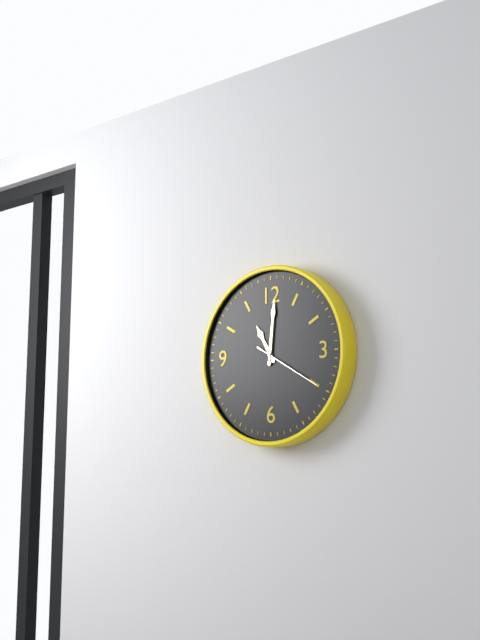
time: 11:01:20
